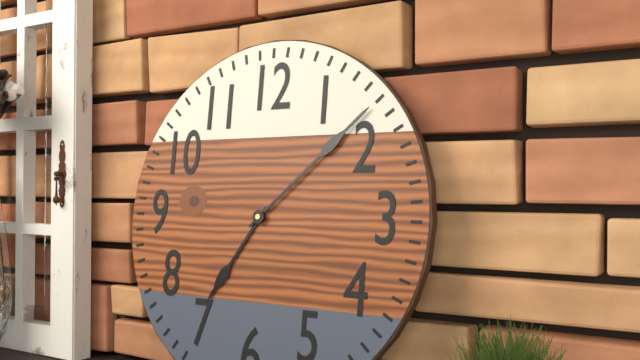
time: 7:08
